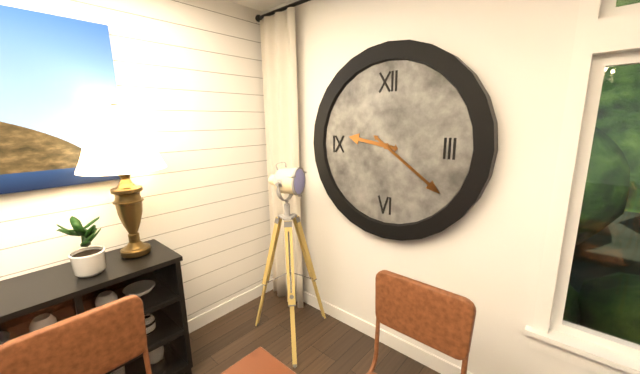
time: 9:21
